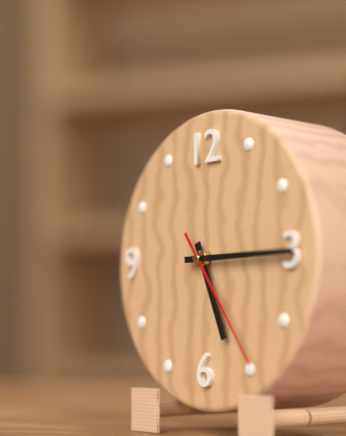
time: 5:15:24
